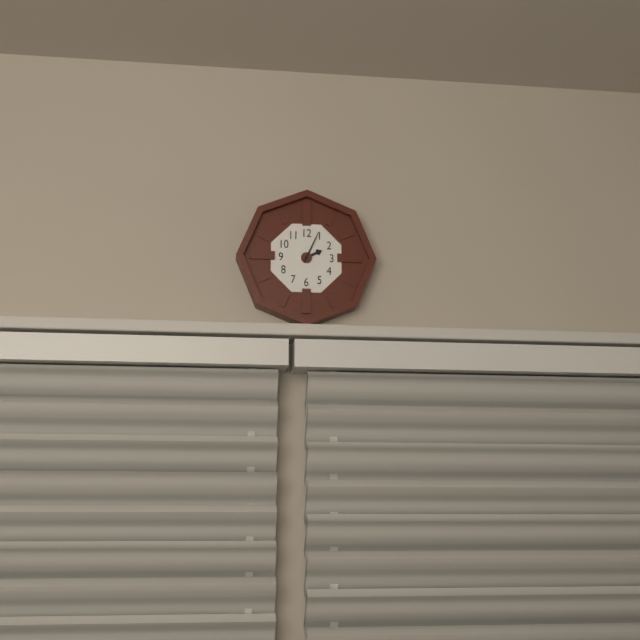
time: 2:04
